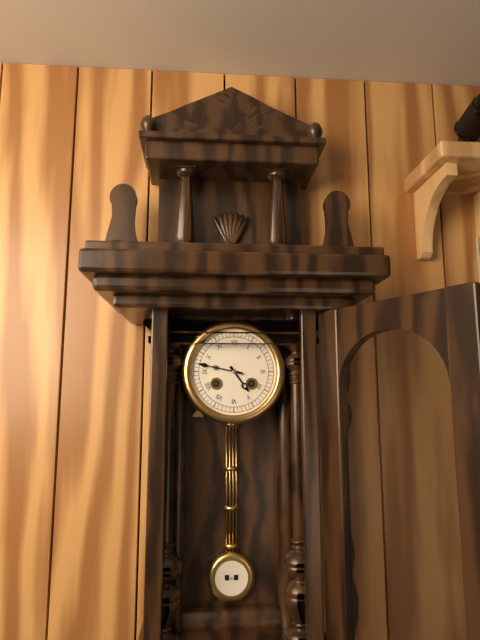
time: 4:47
